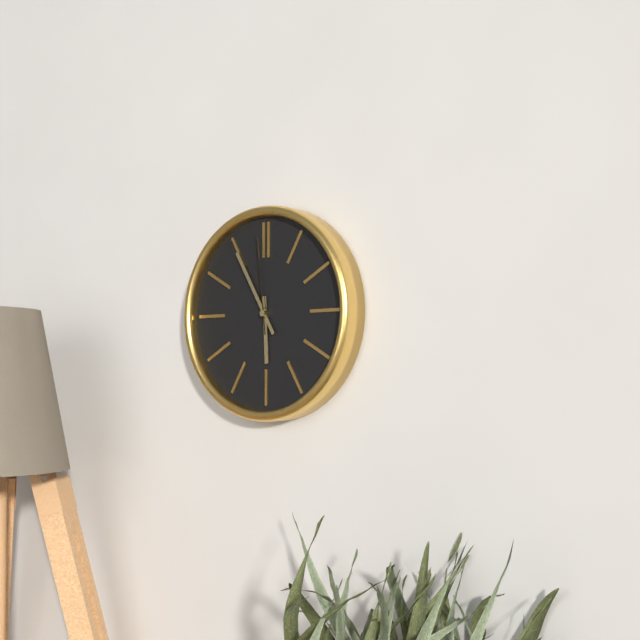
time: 5:55:59
